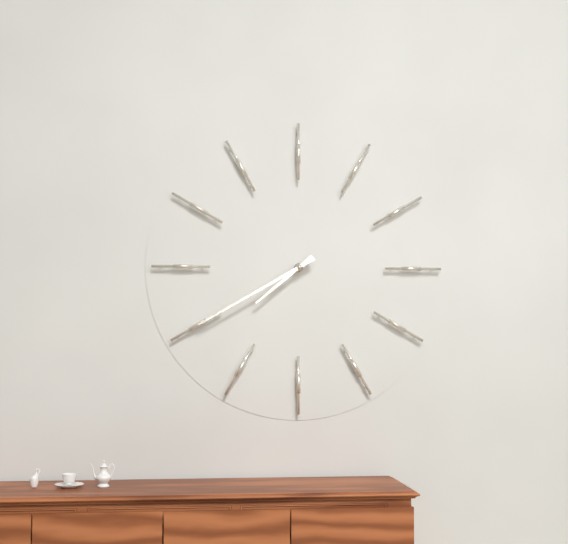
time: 7:40
